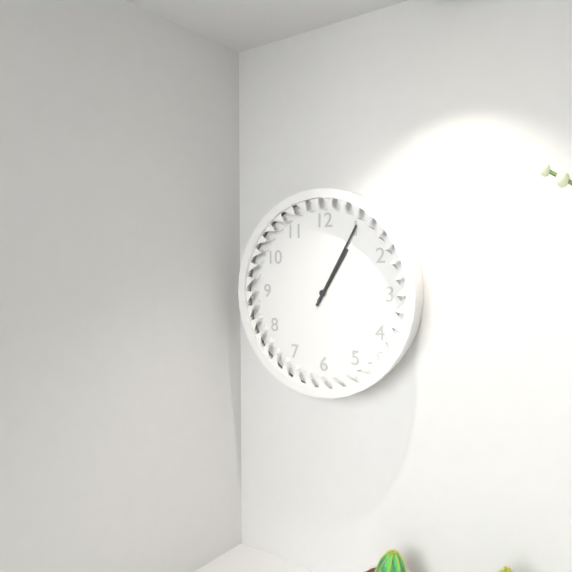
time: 1:05
